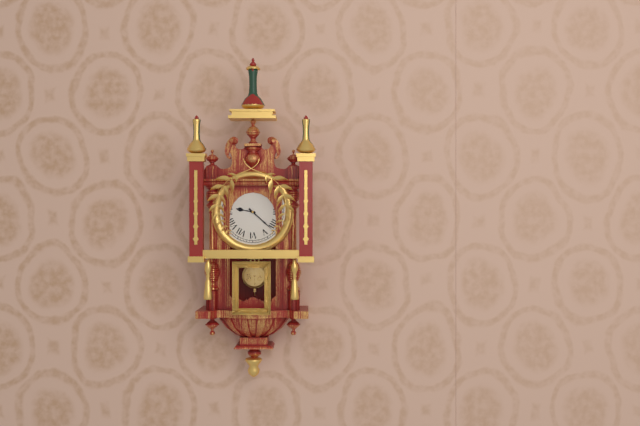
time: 9:22
